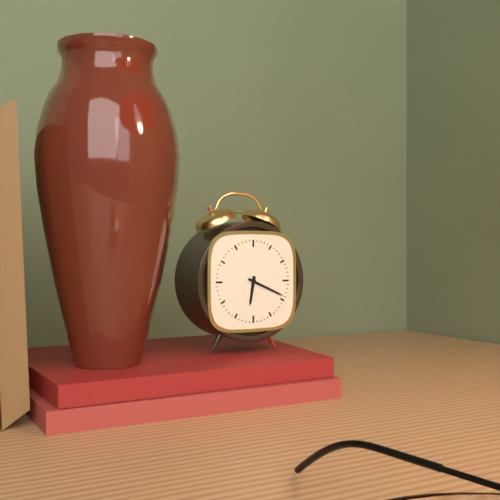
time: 6:19
